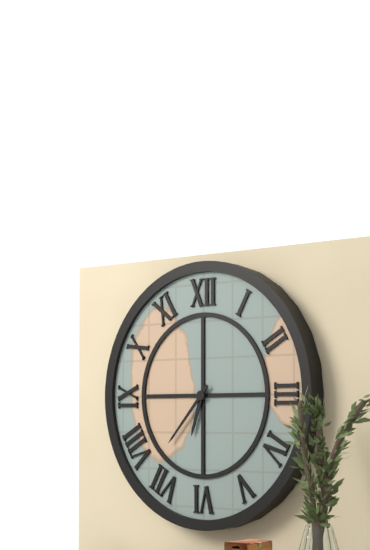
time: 6:37
